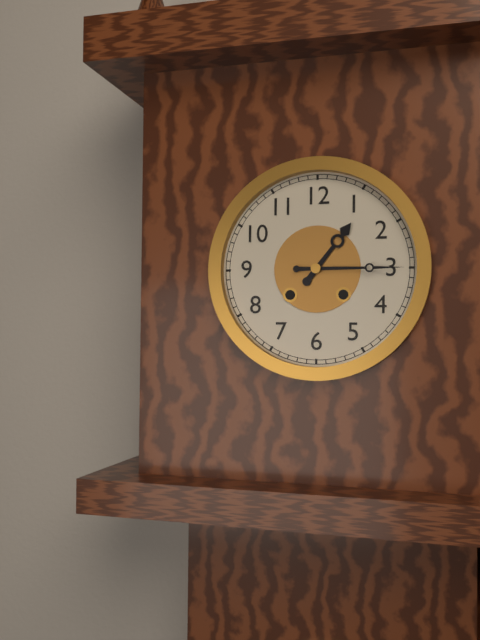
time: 1:15
